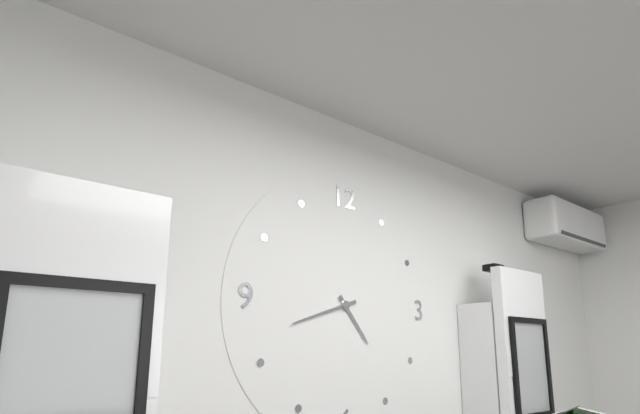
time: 4:42
